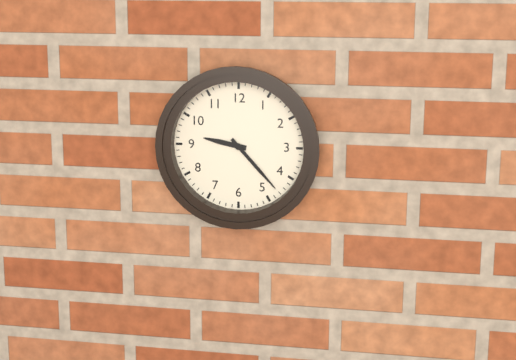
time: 9:23
